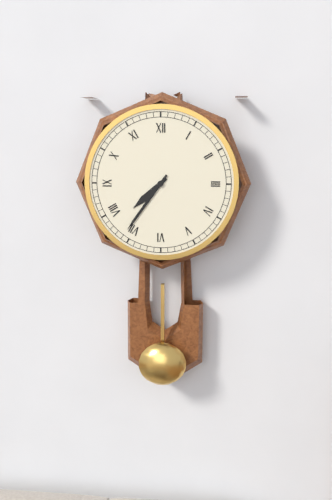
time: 7:36
